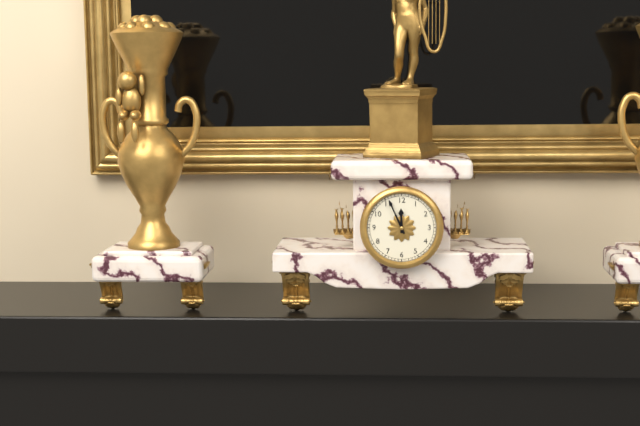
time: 11:56
